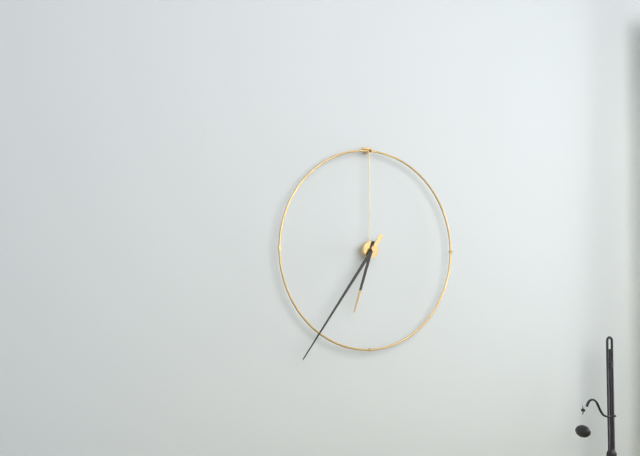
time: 6:36
